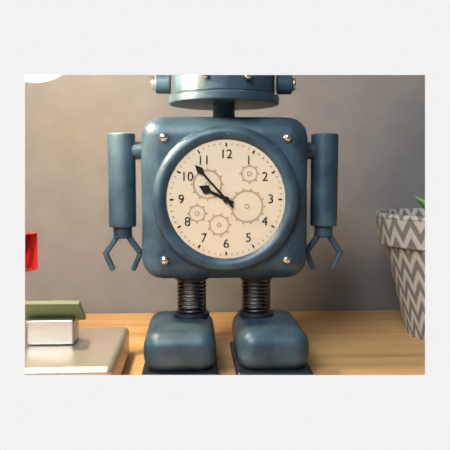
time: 9:53
